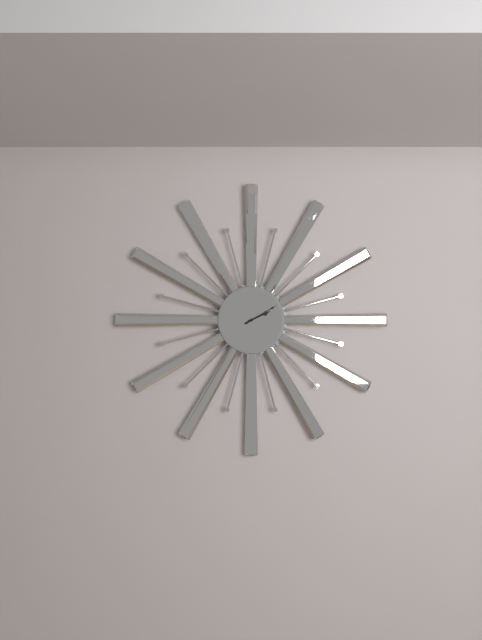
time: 2:10
